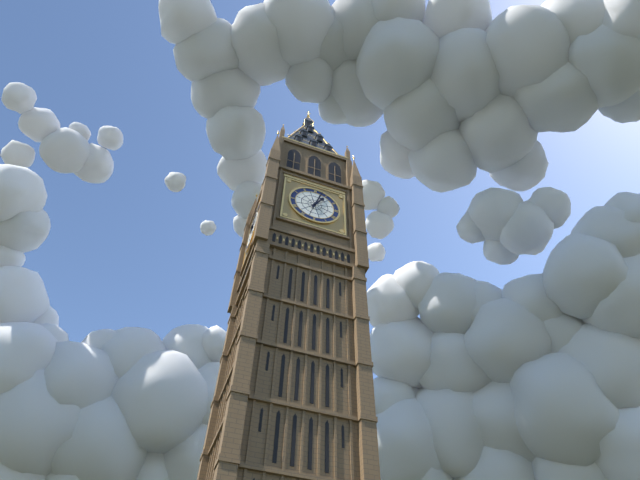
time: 1:03
